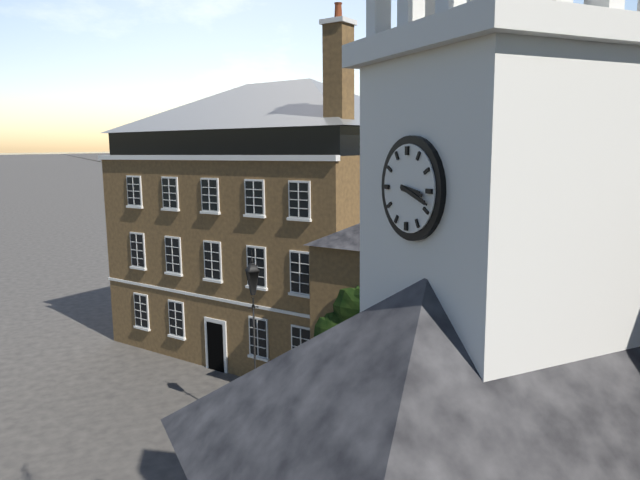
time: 3:18
